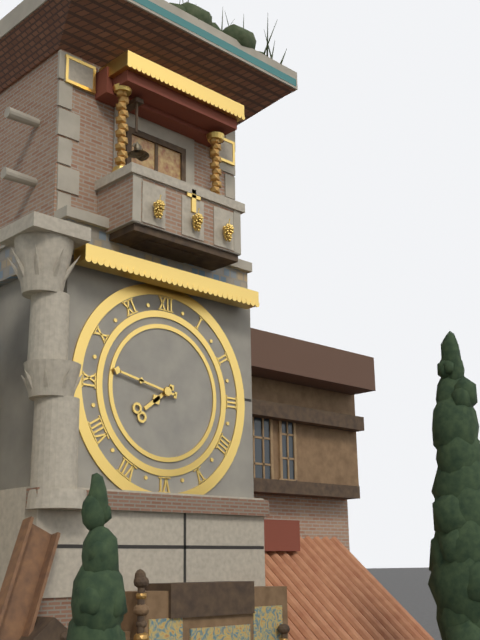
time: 7:47
